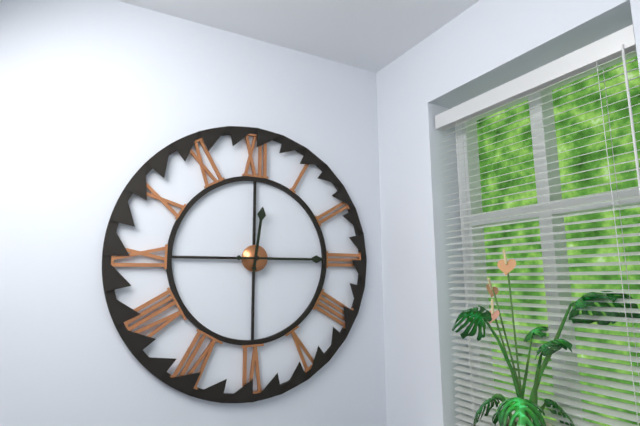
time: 12:15
